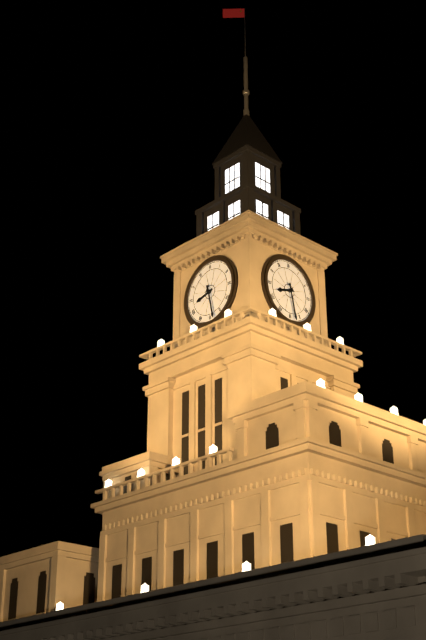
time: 8:28
